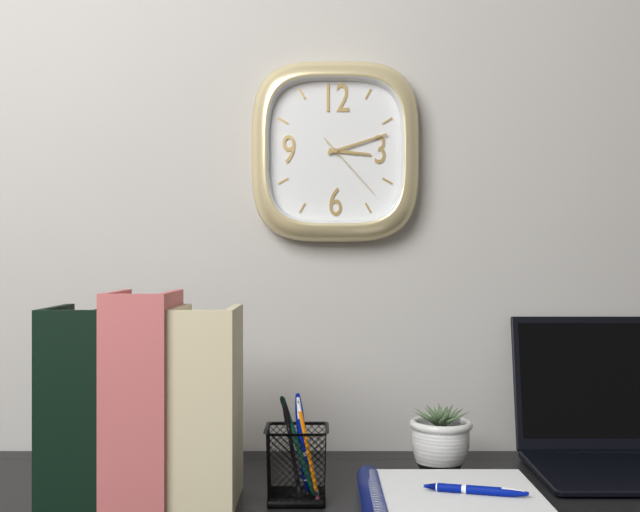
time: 3:12:23
